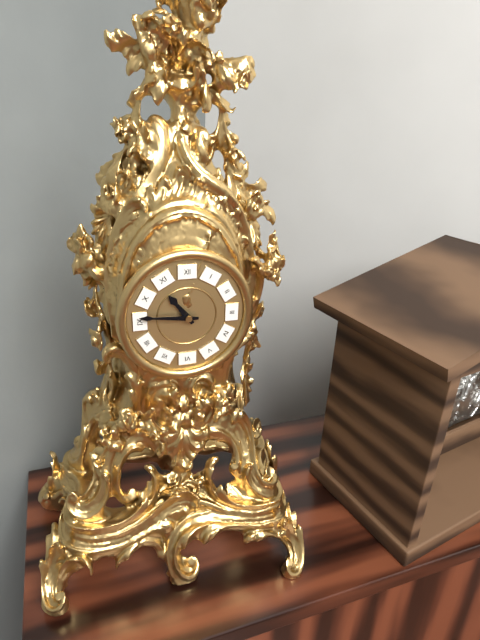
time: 10:46
